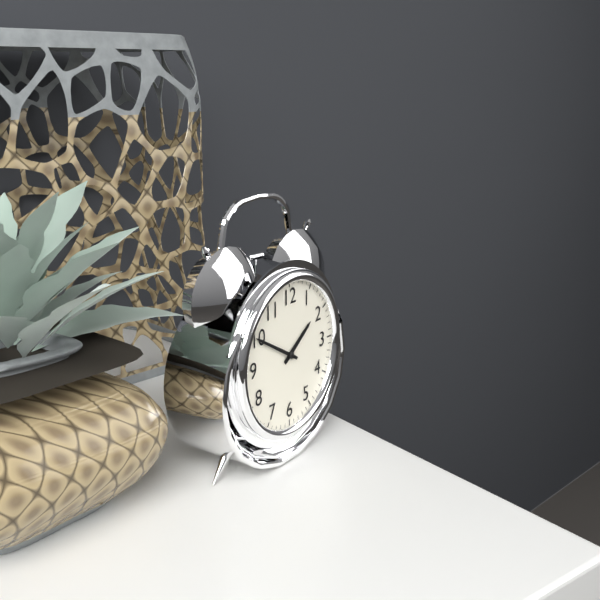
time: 1:50
